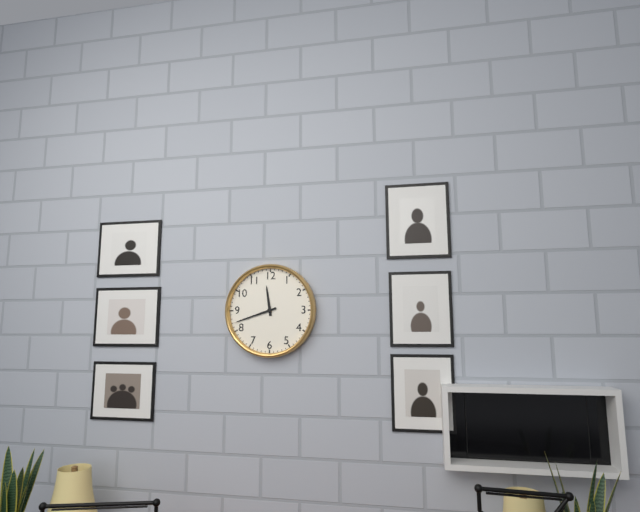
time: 11:42
